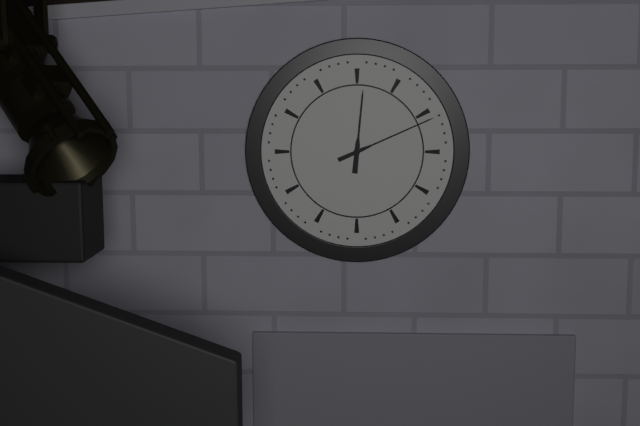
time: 12:11
